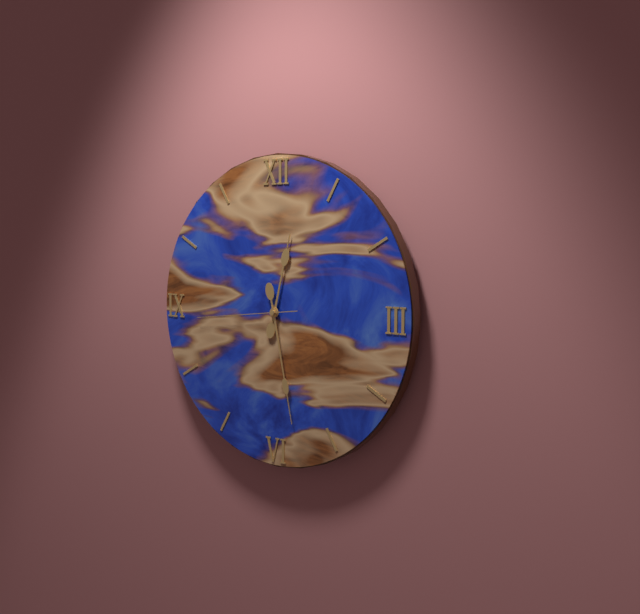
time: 12:28:44
